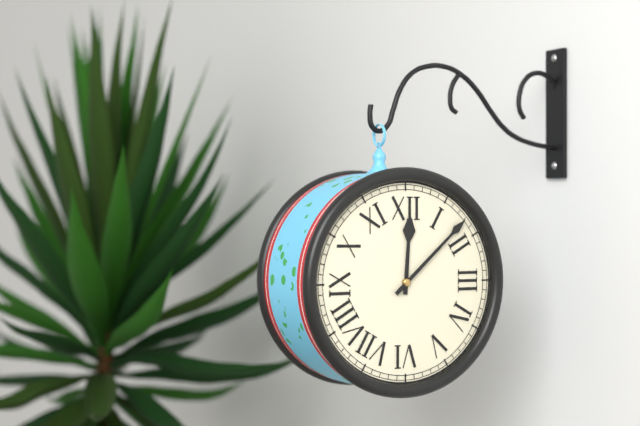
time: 12:08
